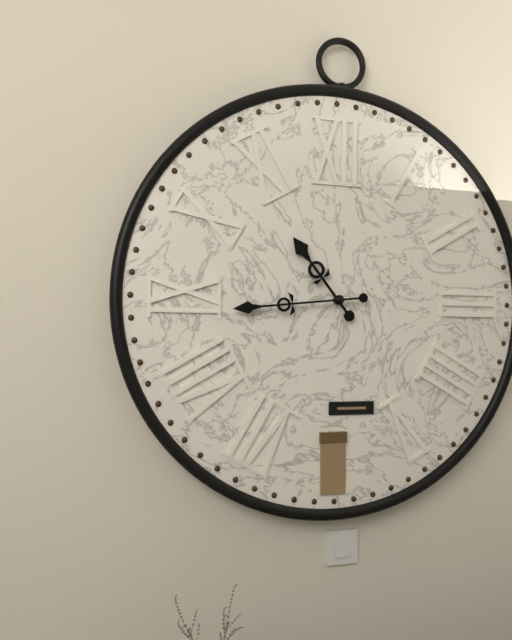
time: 10:44
